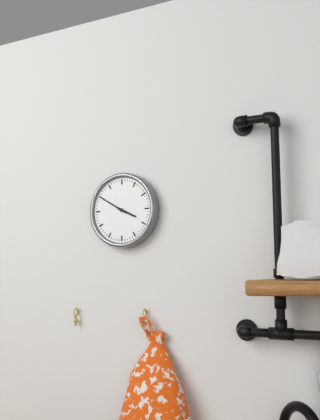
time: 3:50
